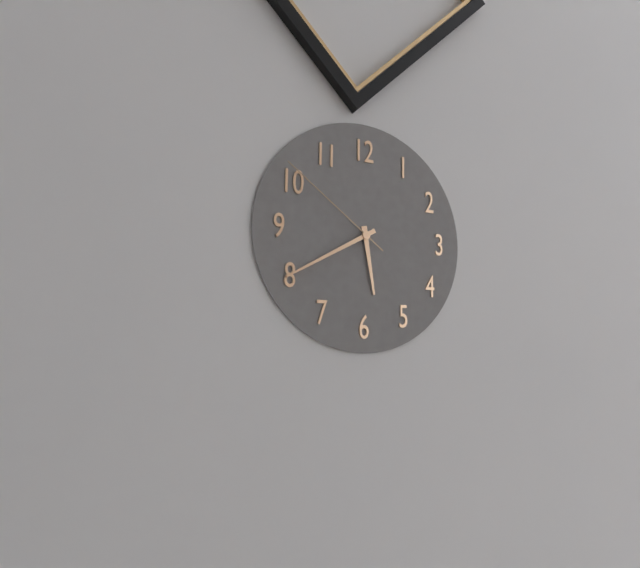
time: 5:40:51
